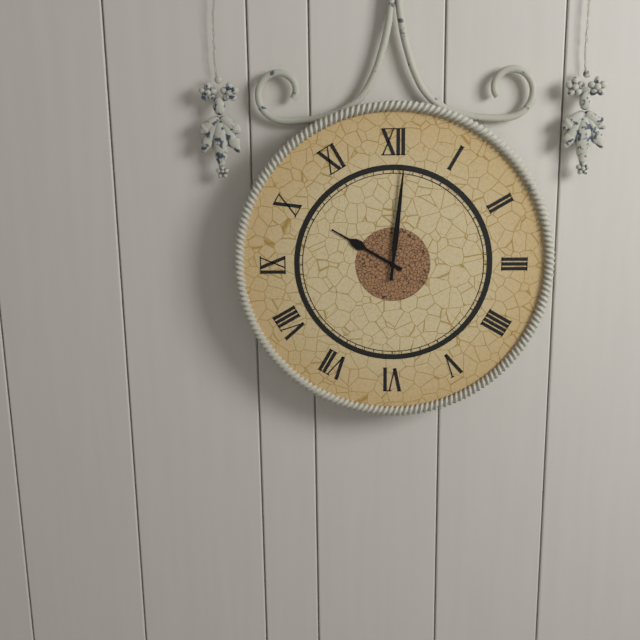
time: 10:01
